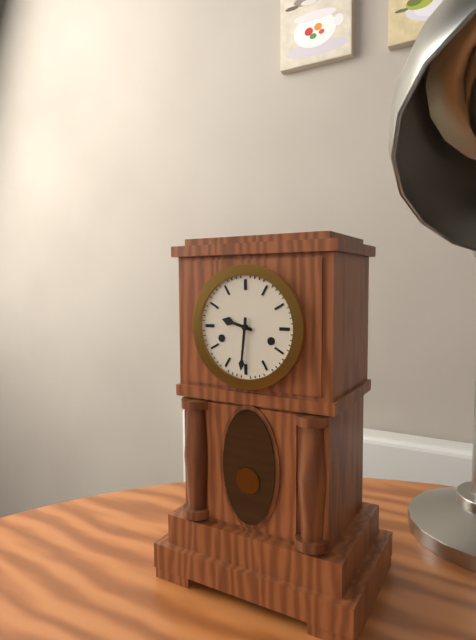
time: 9:31
